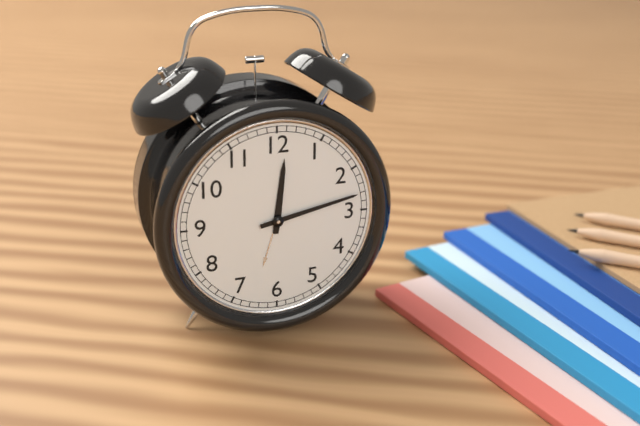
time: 12:13
